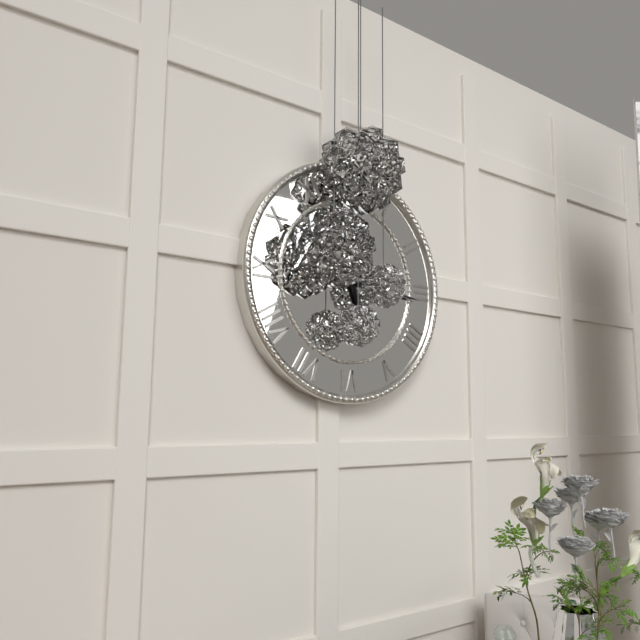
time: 5:16
